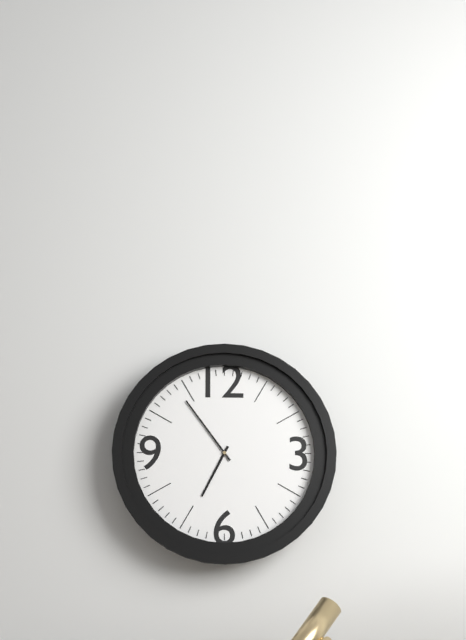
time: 6:54
